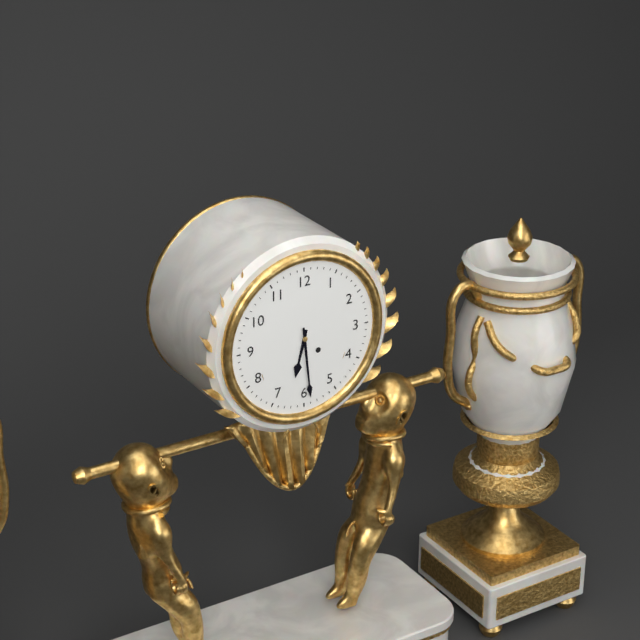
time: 6:29
